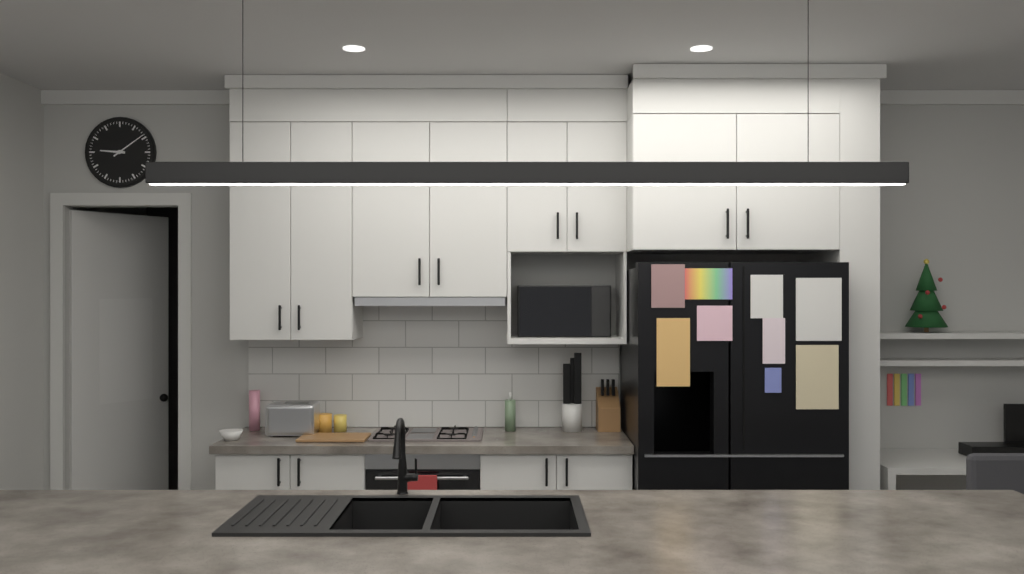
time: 9:09
